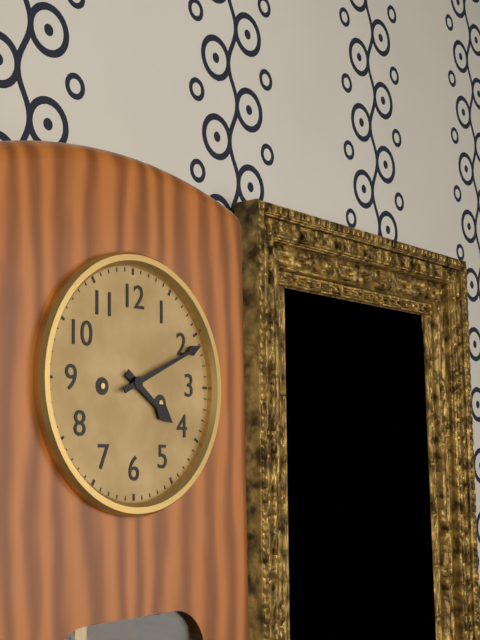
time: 4:11
